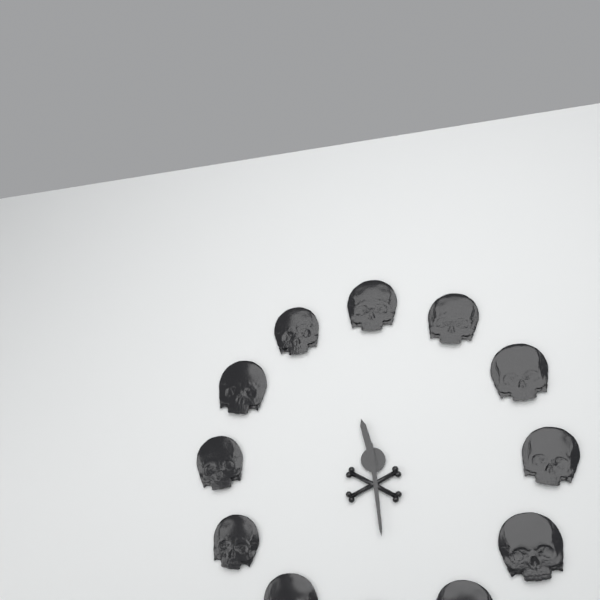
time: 11:29
